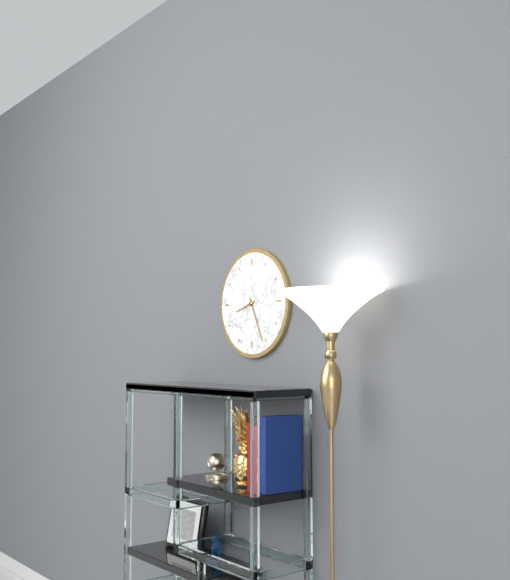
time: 8:26
